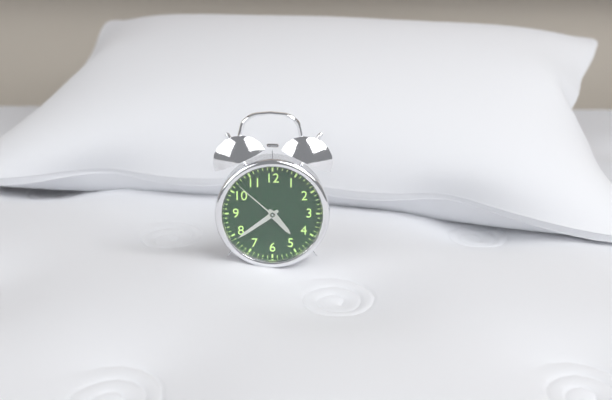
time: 4:39:52
